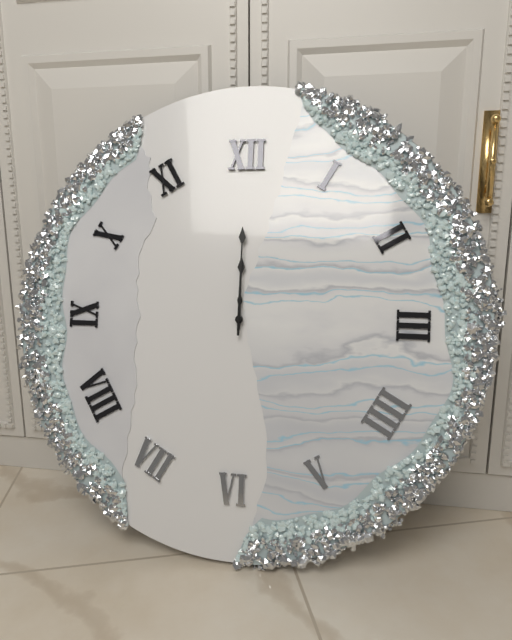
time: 12:00
